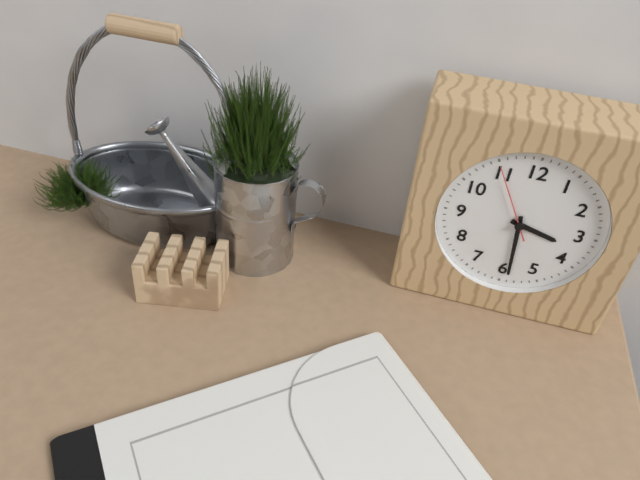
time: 3:29:55
